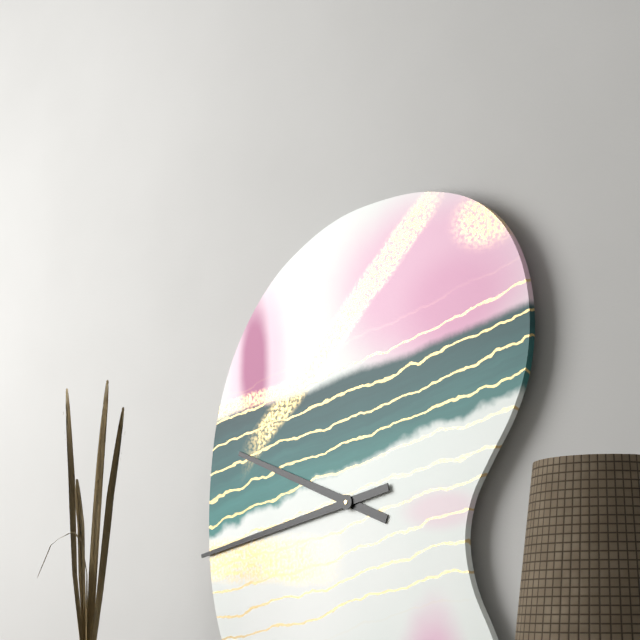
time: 9:43
